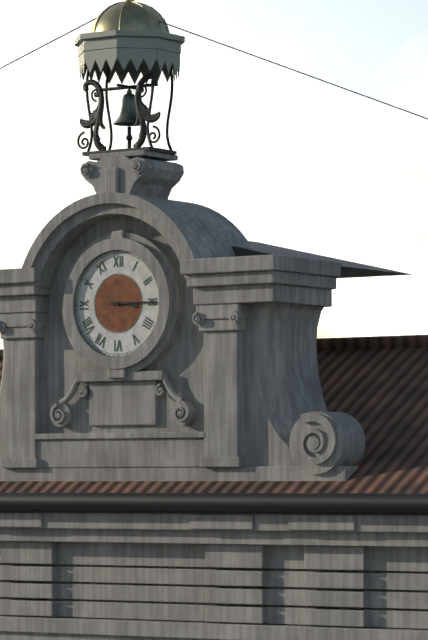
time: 3:15
